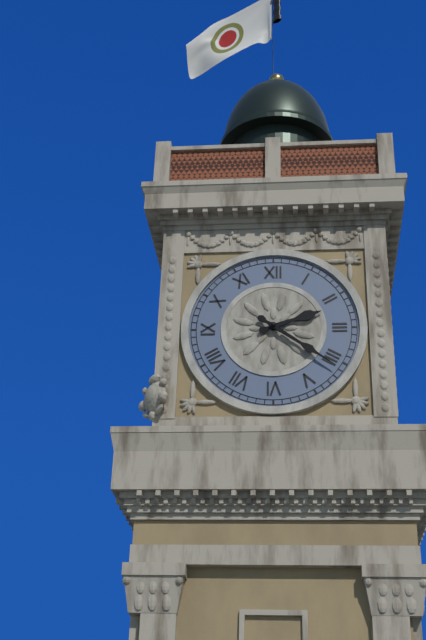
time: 2:21
